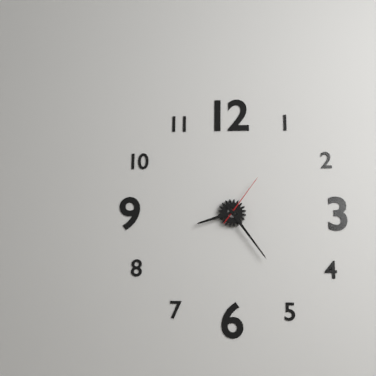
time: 8:24:06
